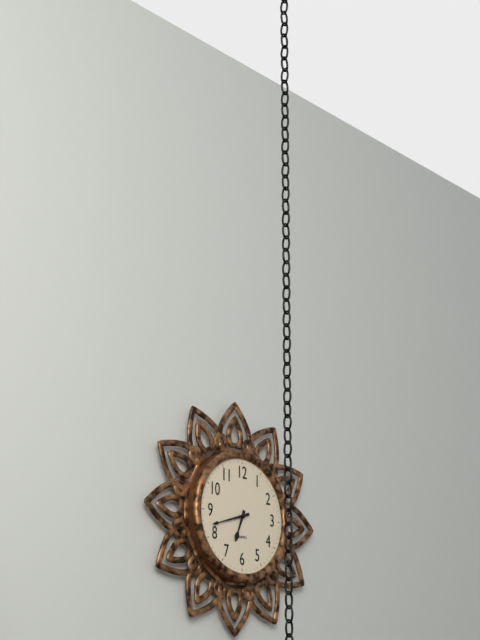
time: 6:42
